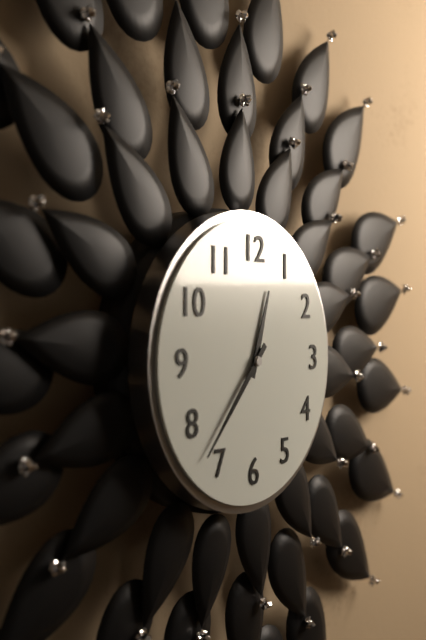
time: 12:37
